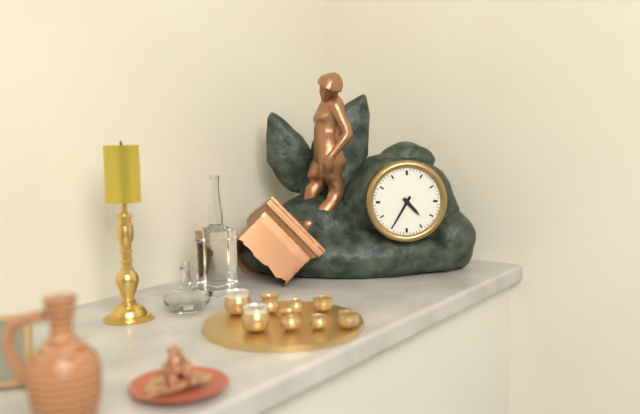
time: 4:35
